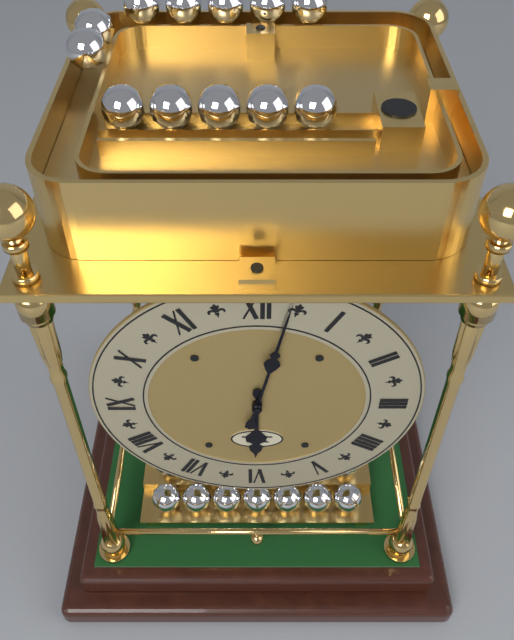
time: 6:02
